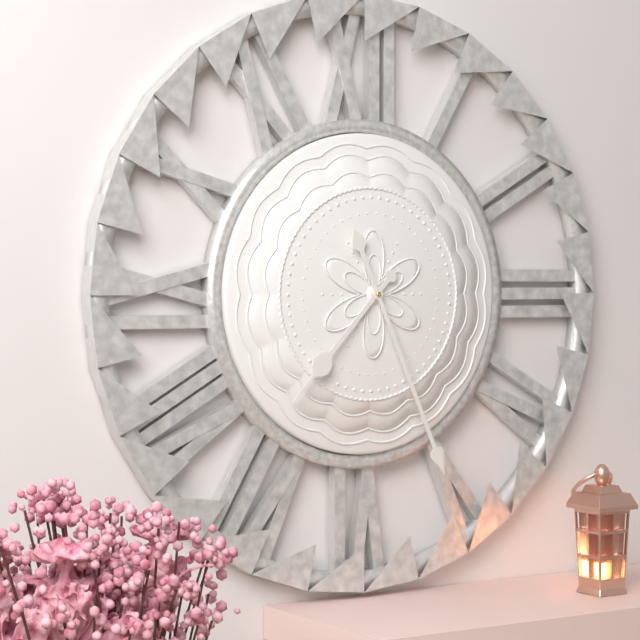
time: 7:26
